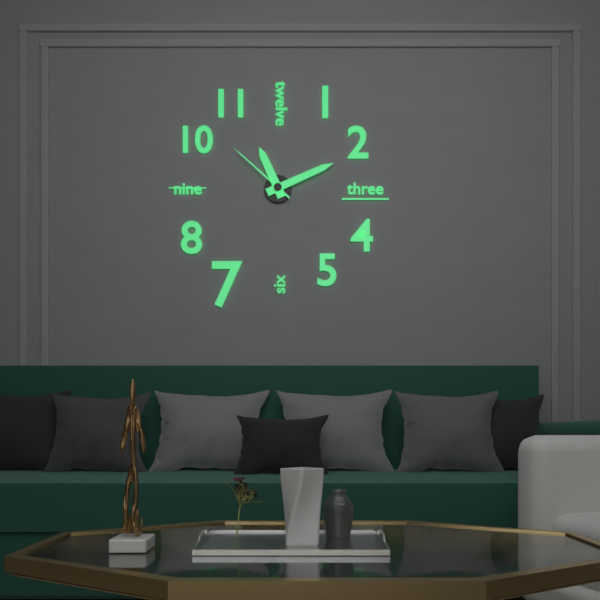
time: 11:11:52
